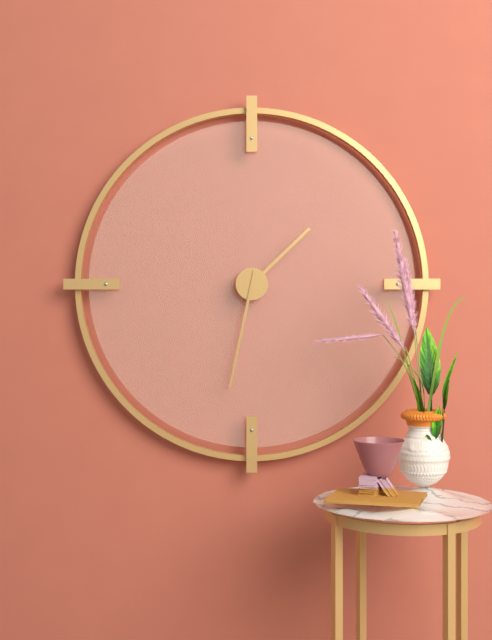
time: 1:32
